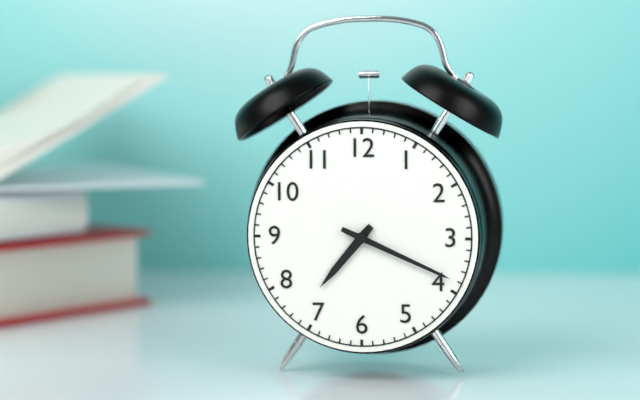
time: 7:19
